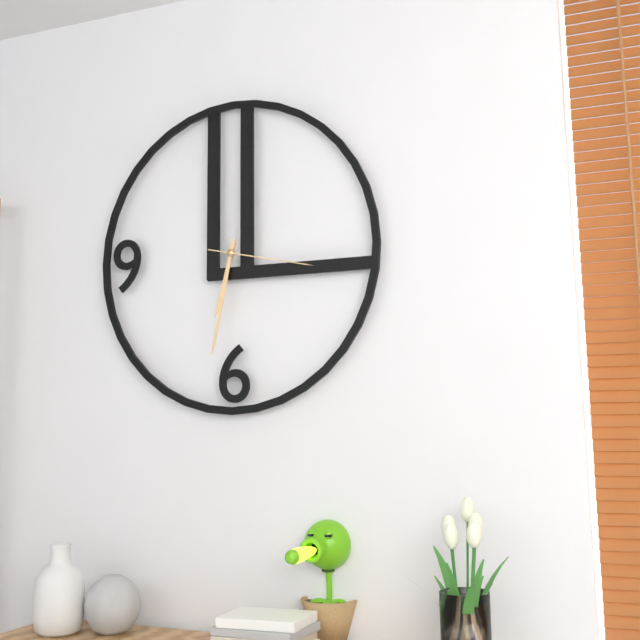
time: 6:32:17
